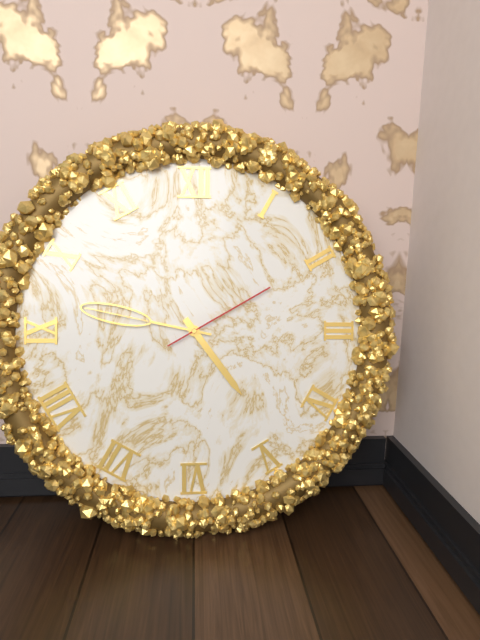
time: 4:47:10
